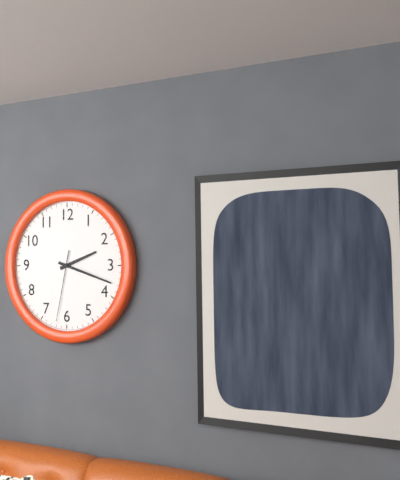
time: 2:18:32
